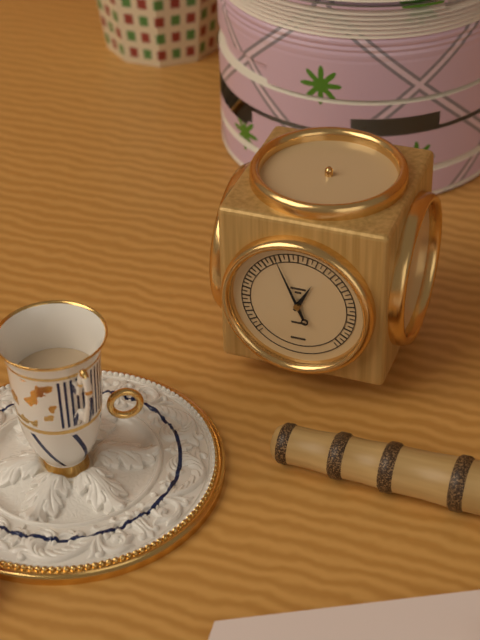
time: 12:56
